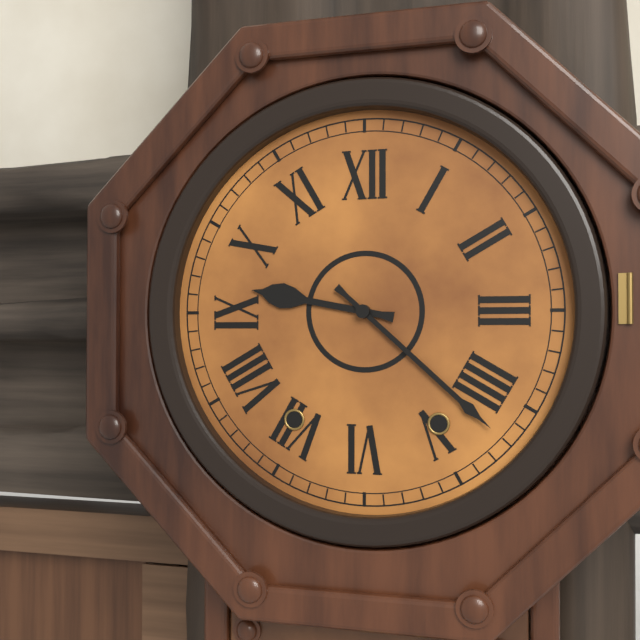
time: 9:22
